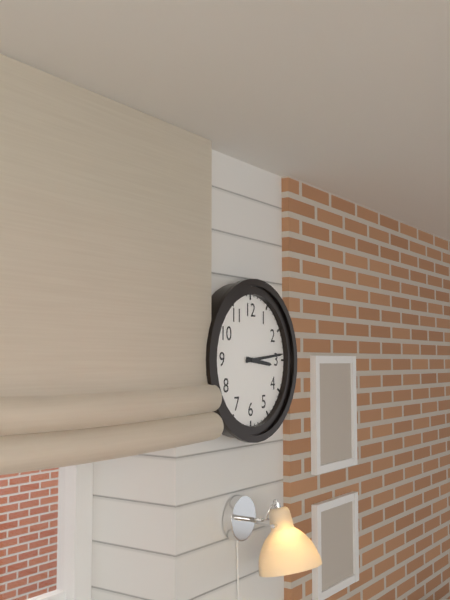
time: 3:14
